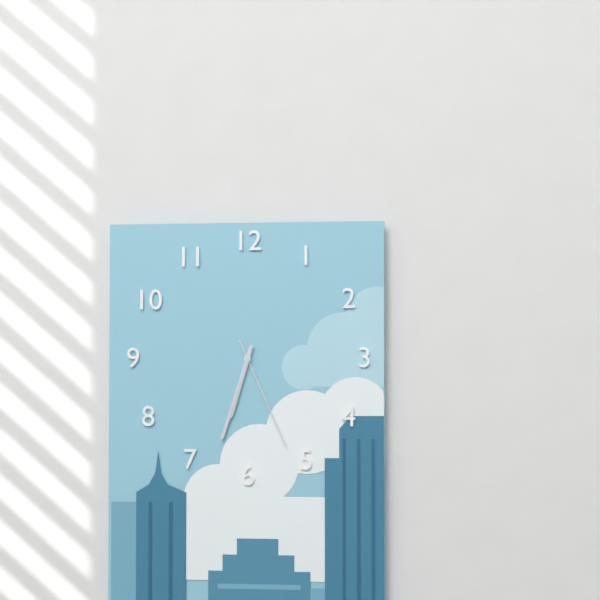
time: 6:33:26
